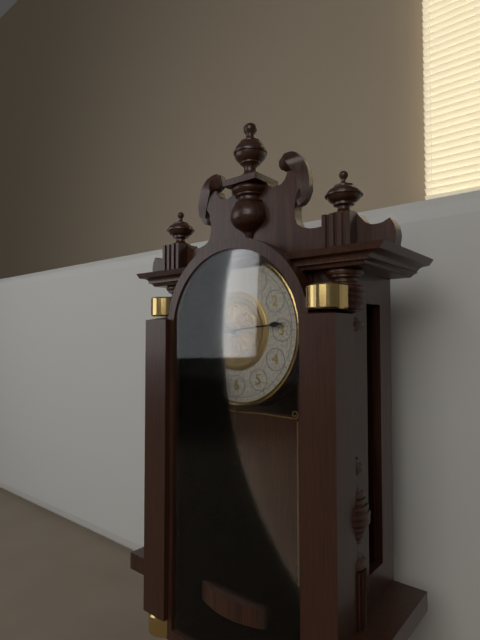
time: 10:14
